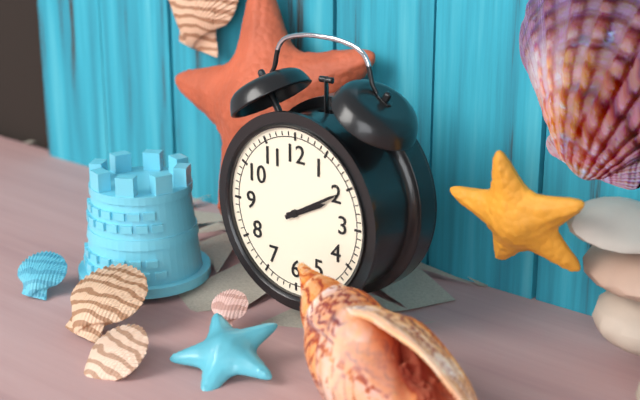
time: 2:10
